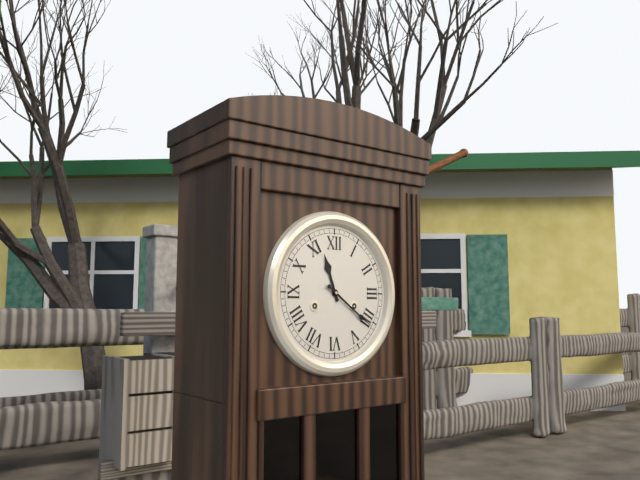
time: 11:21
